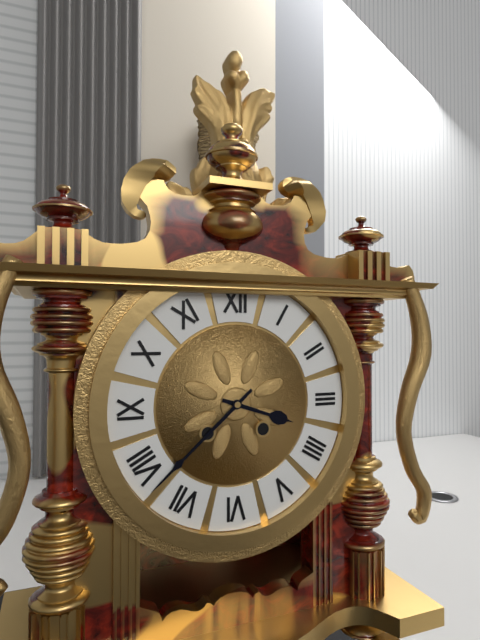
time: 3:38
